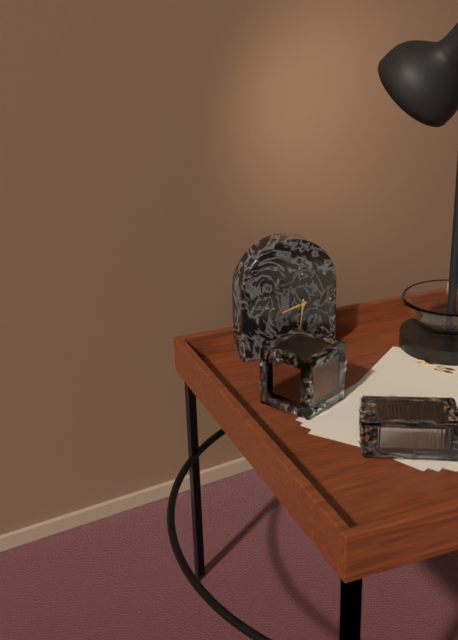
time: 8:31
